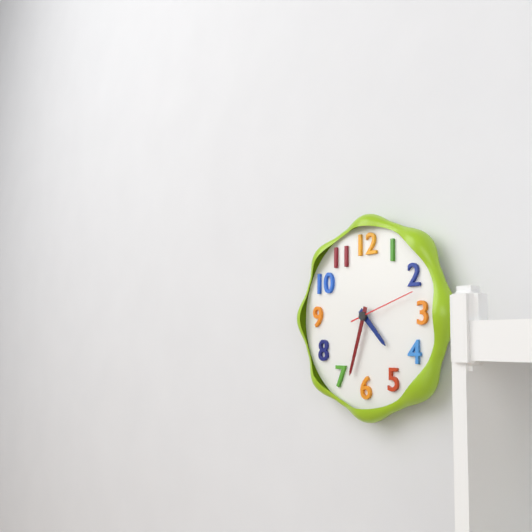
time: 4:33:12
